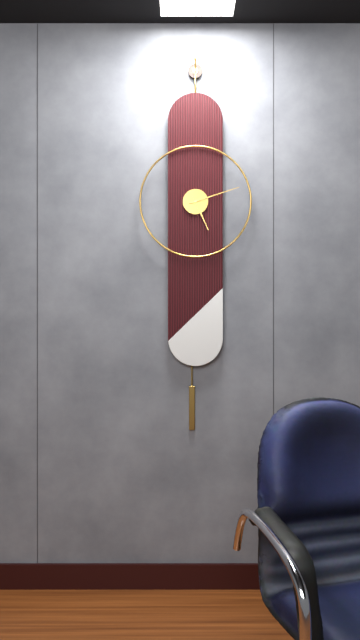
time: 5:12
